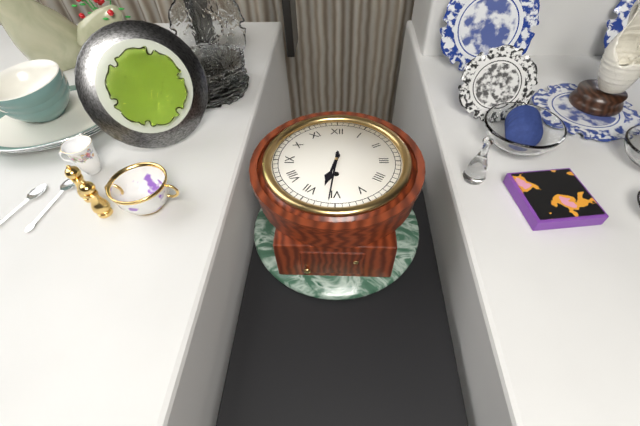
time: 6:31
